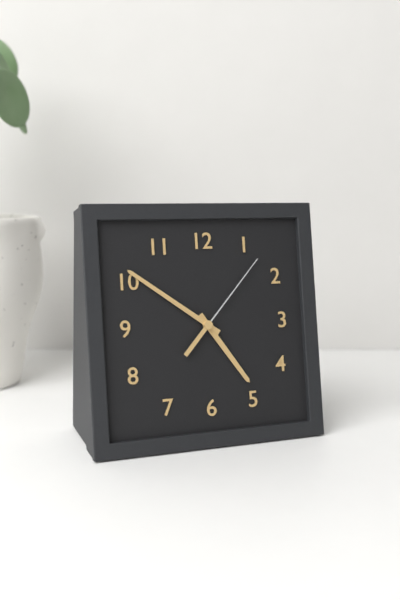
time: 4:51:07
